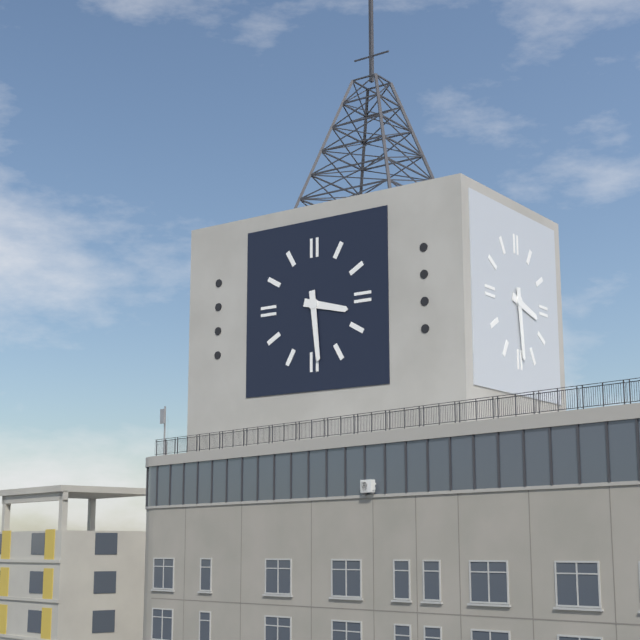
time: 3:29
